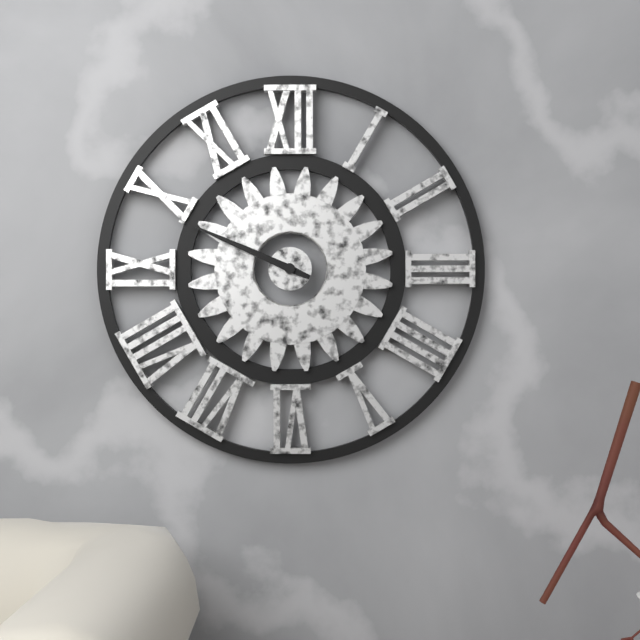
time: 9:49
